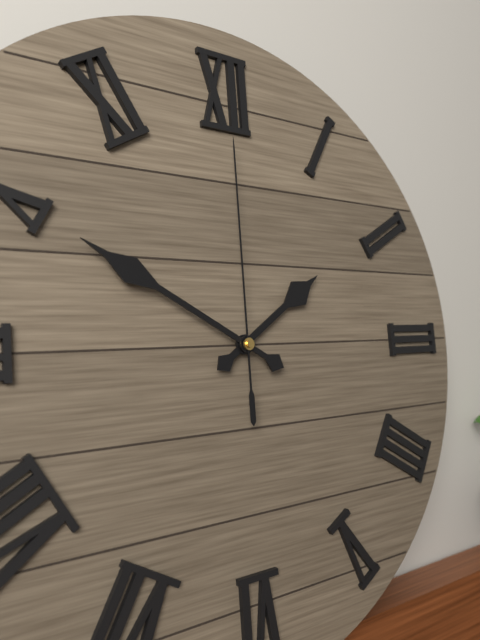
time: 1:50:00
